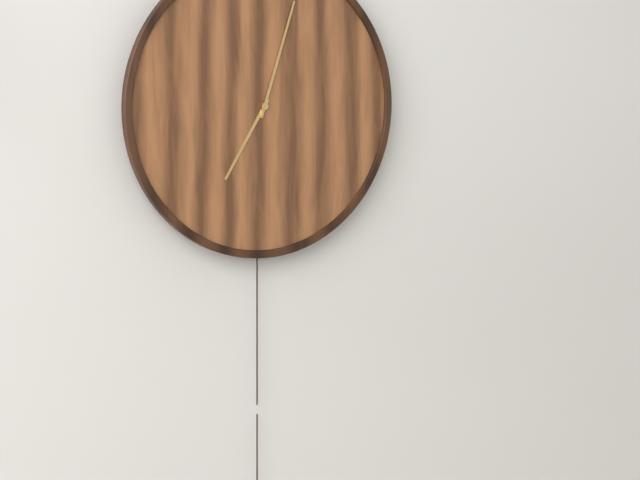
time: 7:03
